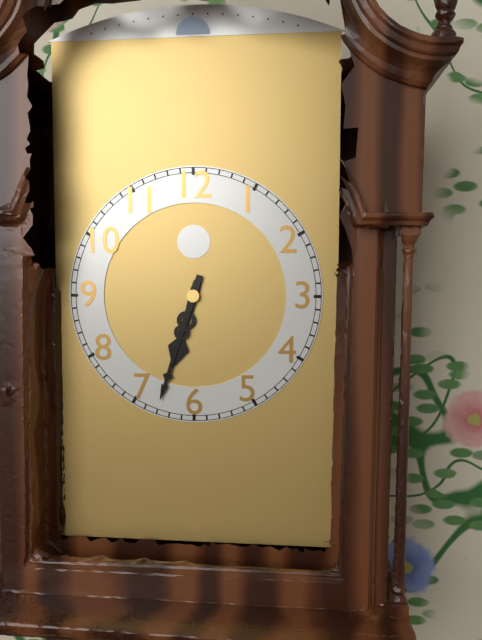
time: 6:33
